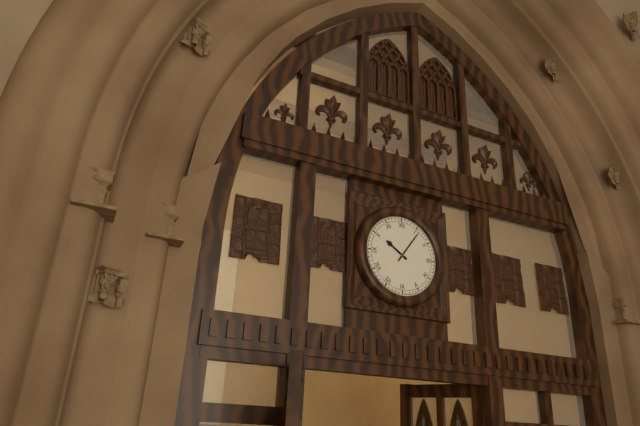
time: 10:06
